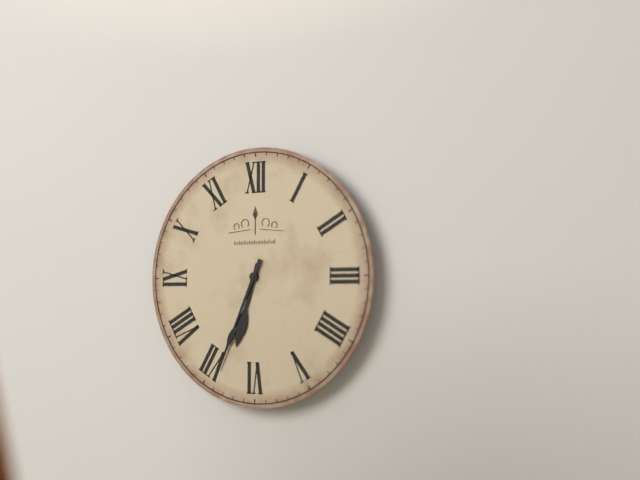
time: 6:34
